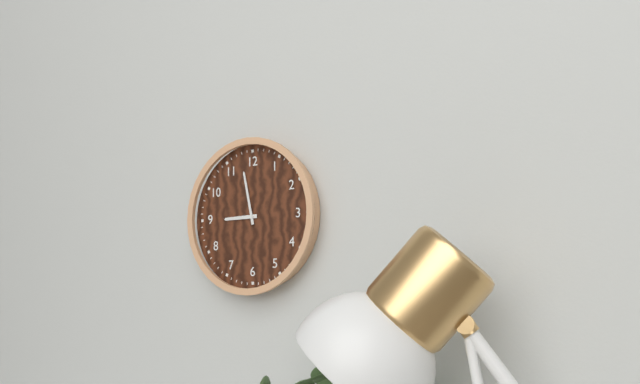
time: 8:58
